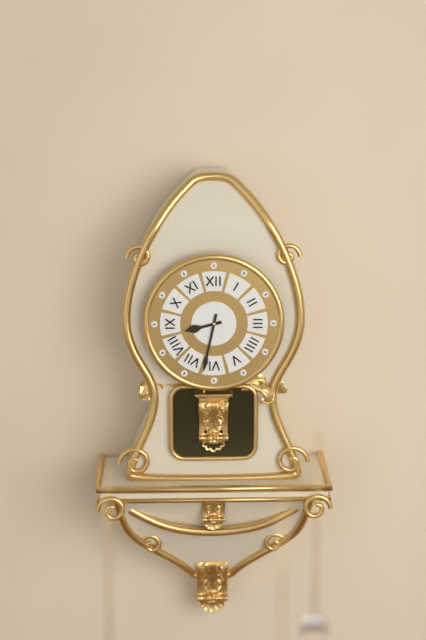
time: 8:32
